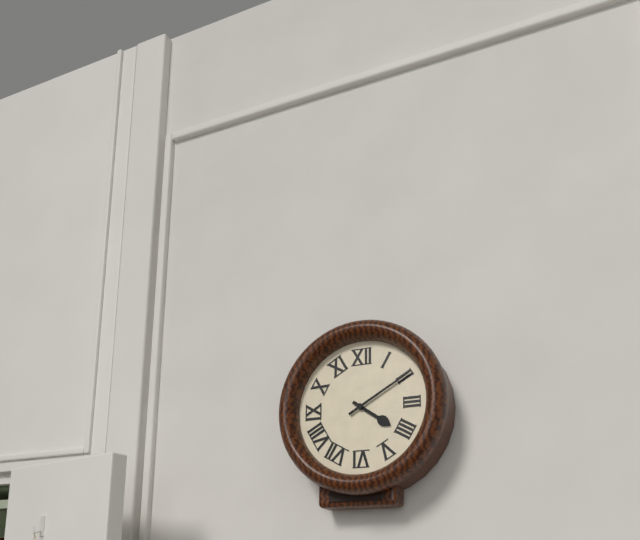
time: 4:10
